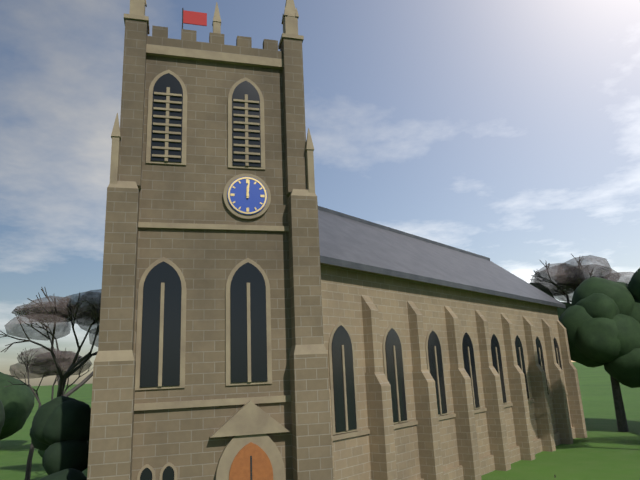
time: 12:01
